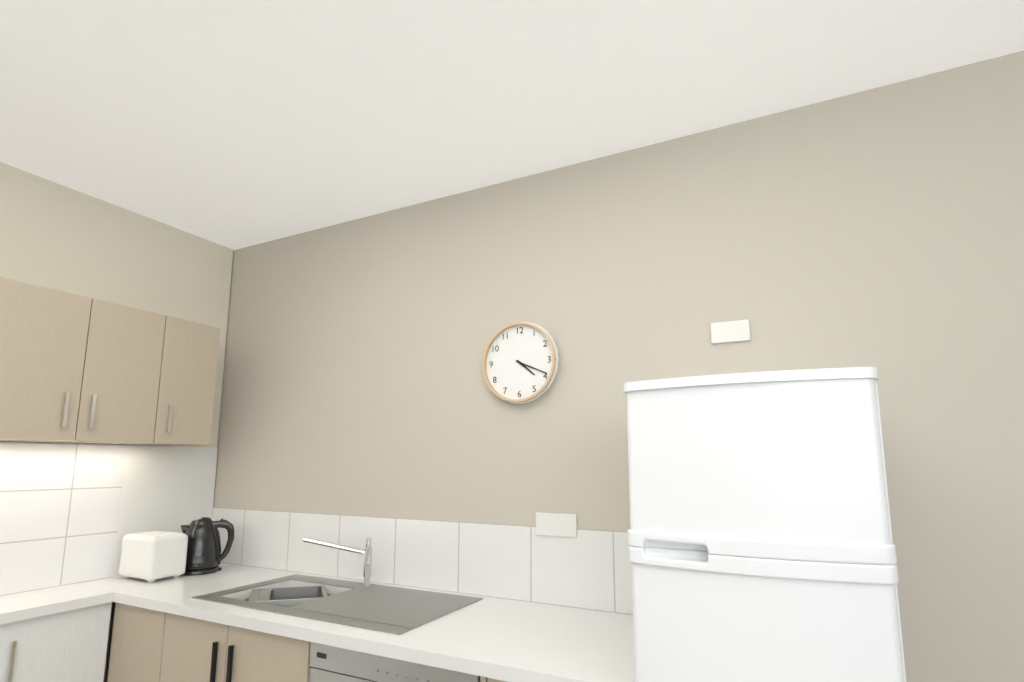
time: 4:19
